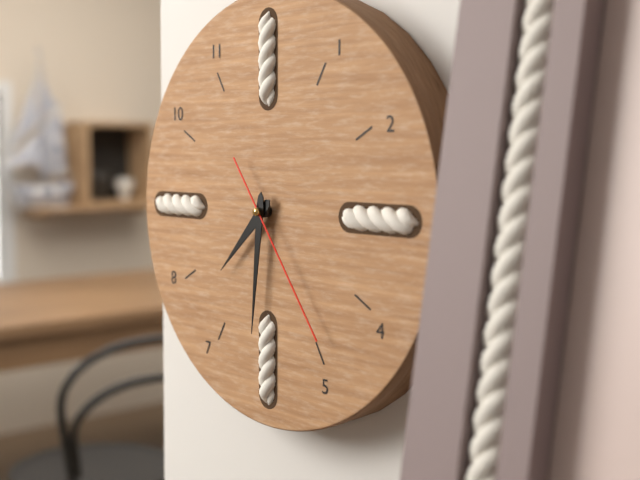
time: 7:31:24
